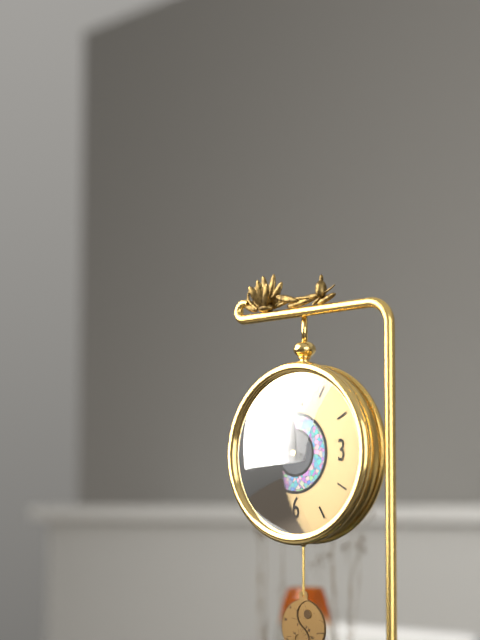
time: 11:47:51
